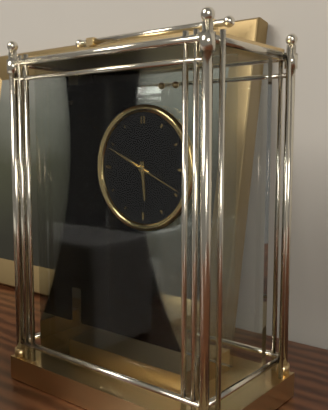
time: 5:49:19
